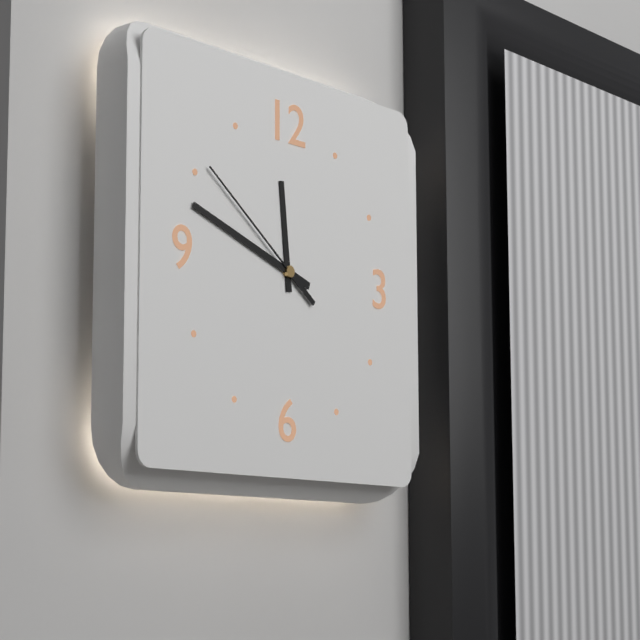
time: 11:48:51
